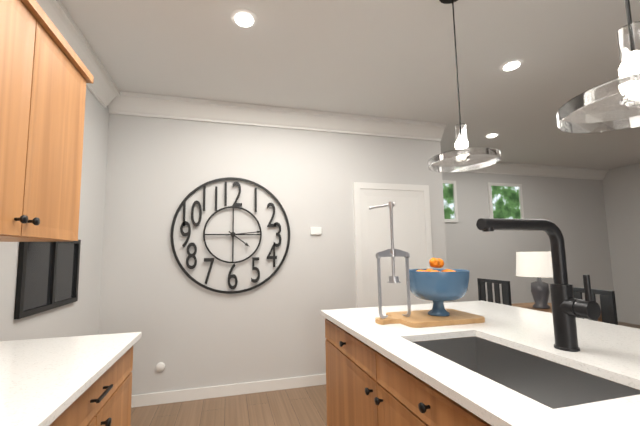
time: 4:14
